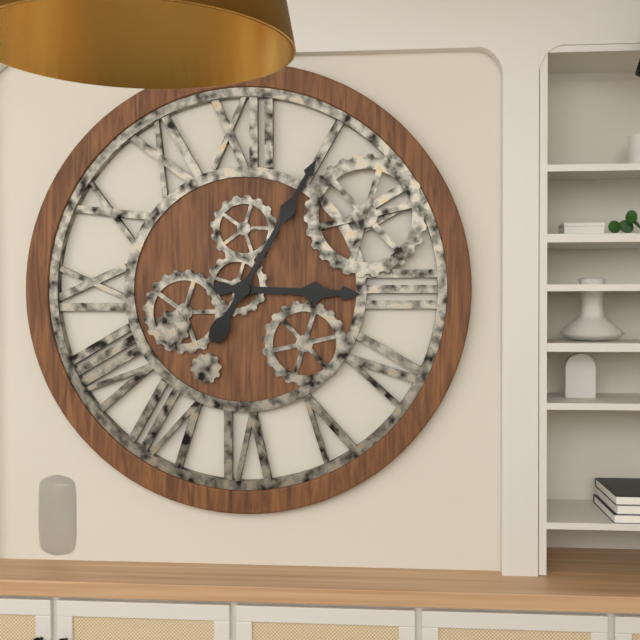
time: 3:05
